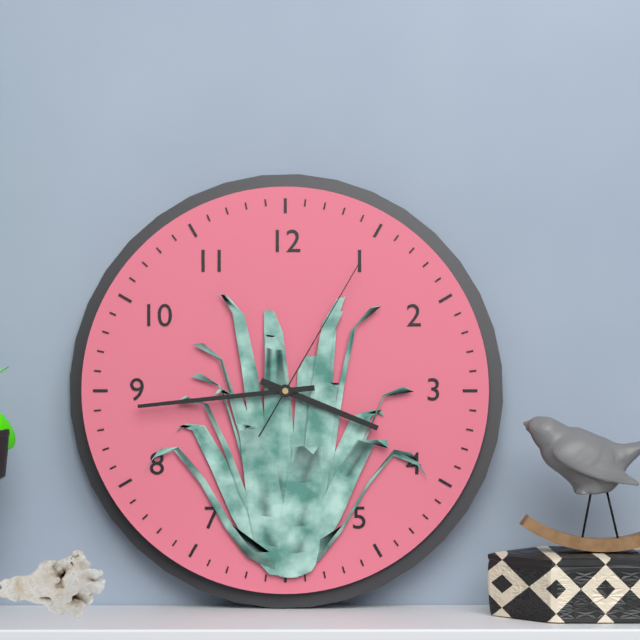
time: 3:44:05
